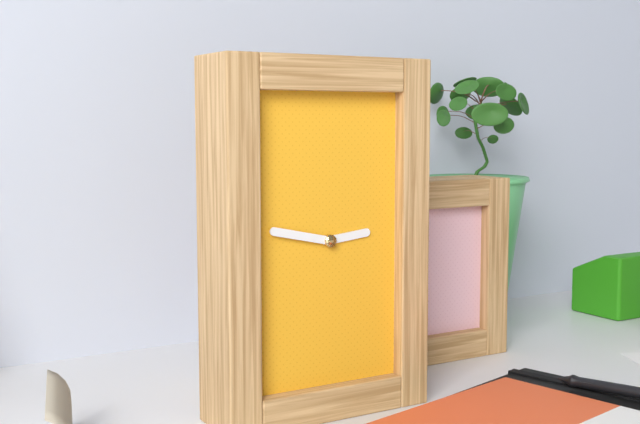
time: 2:47
